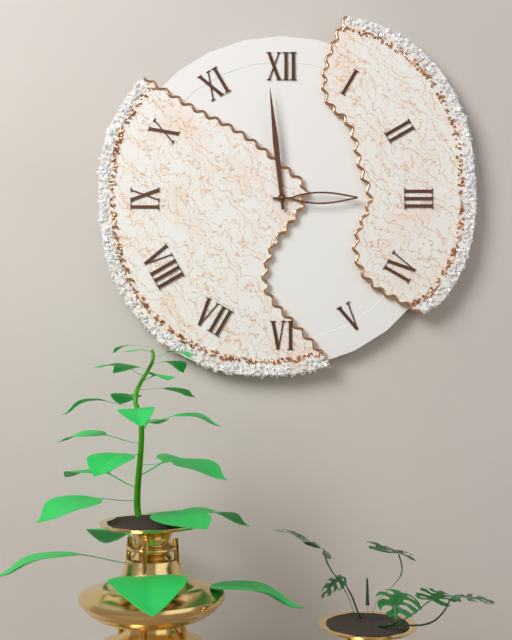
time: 2:59
